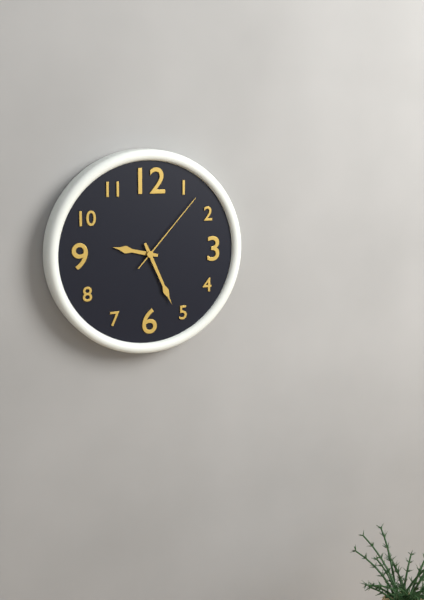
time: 9:26:07
